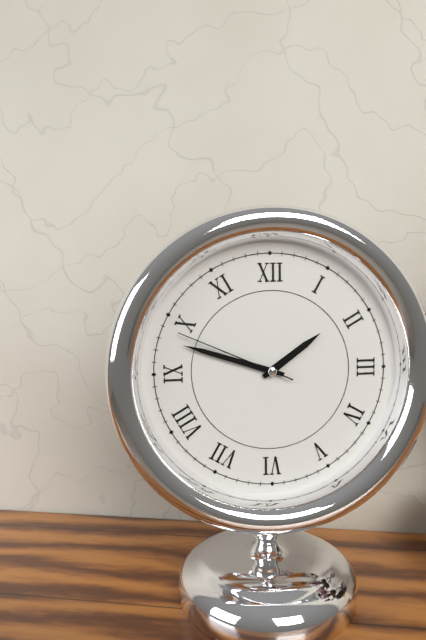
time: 1:48:49
